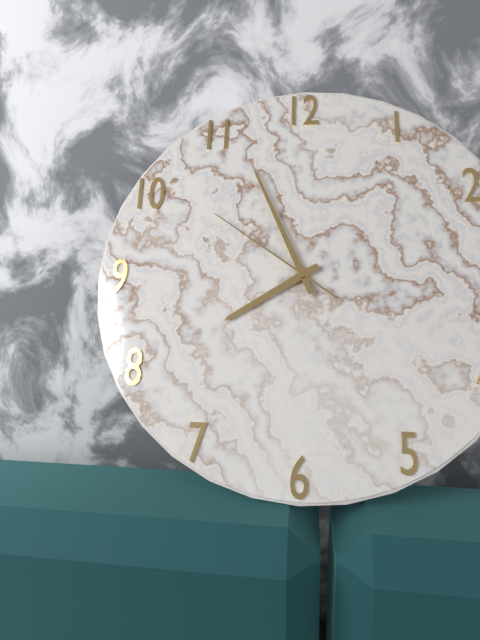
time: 7:56:51
